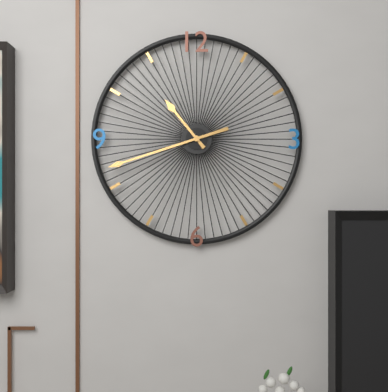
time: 10:42
